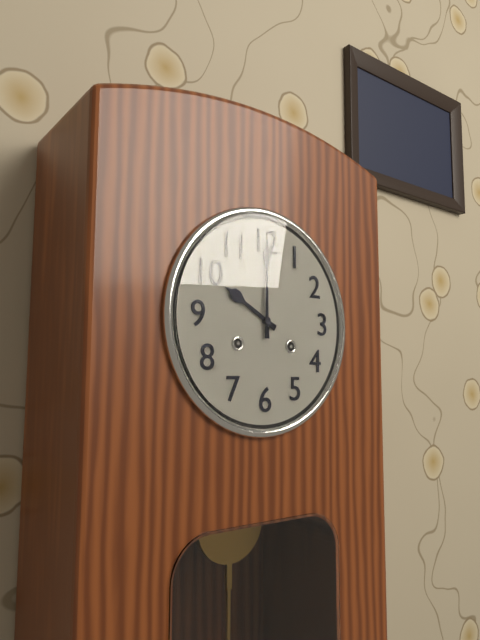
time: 10:00
